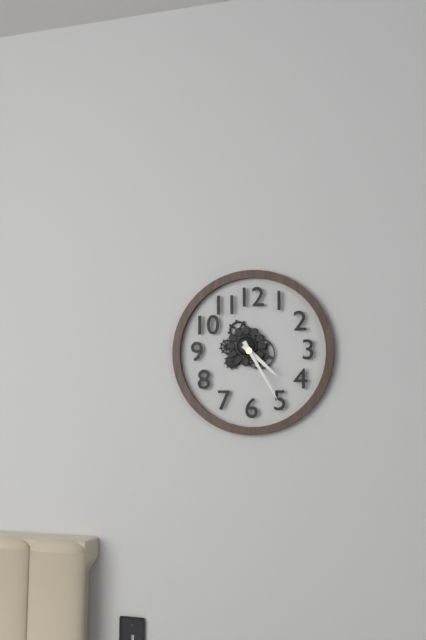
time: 4:25
